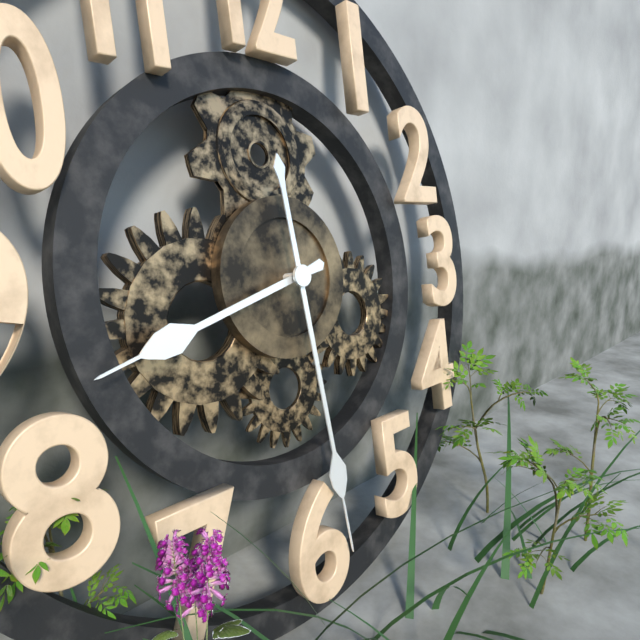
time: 8:29
